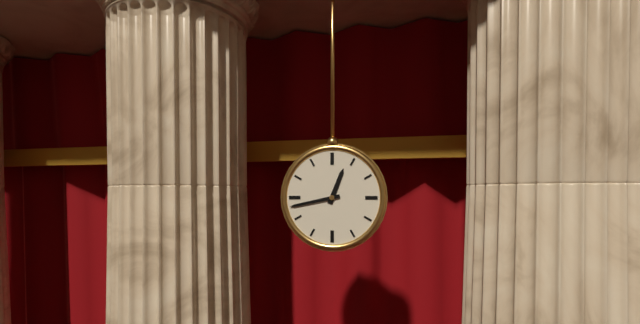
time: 12:43
